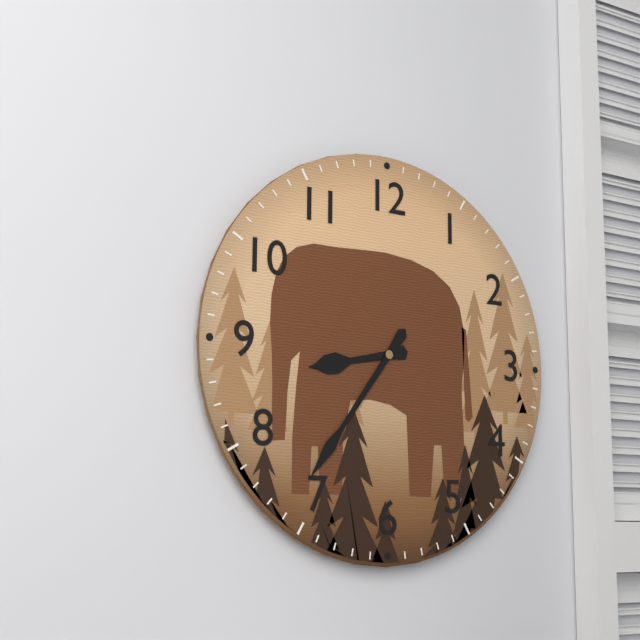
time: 8:36
